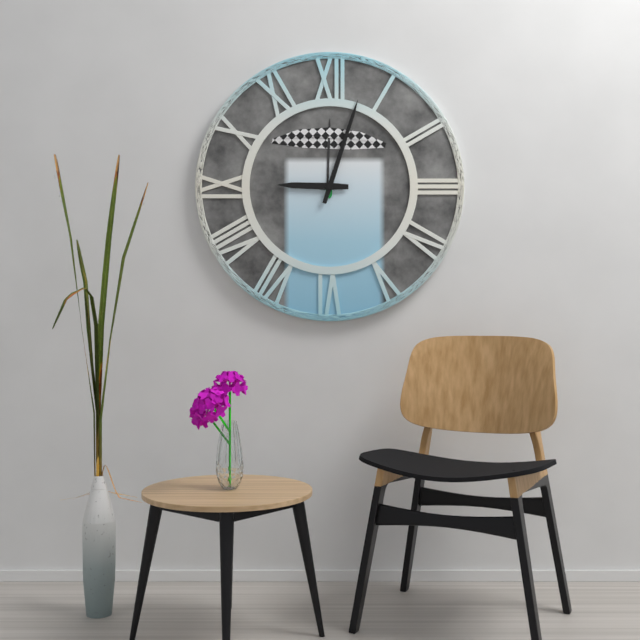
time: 9:03
